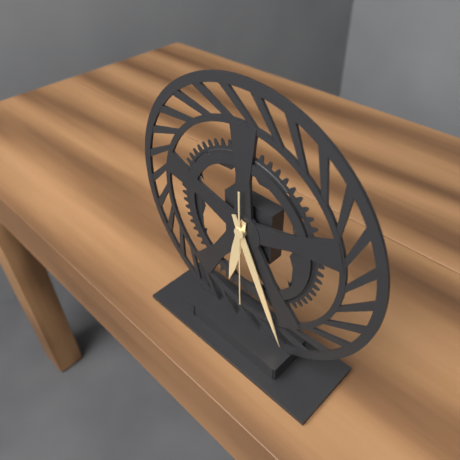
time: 6:26:30
